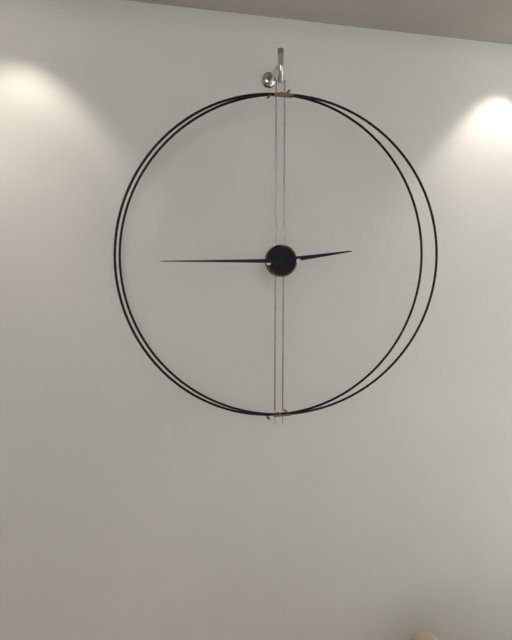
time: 2:45
